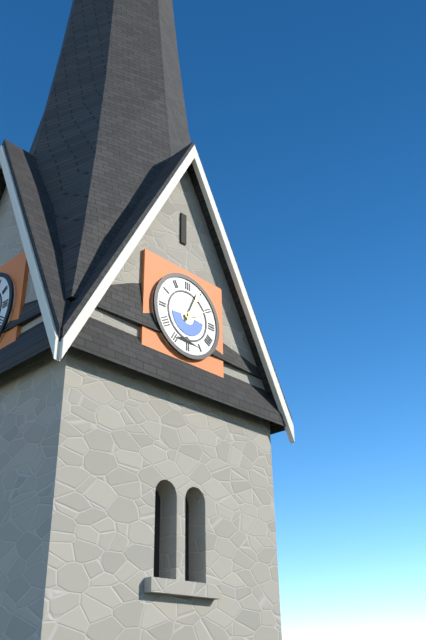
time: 2:04
